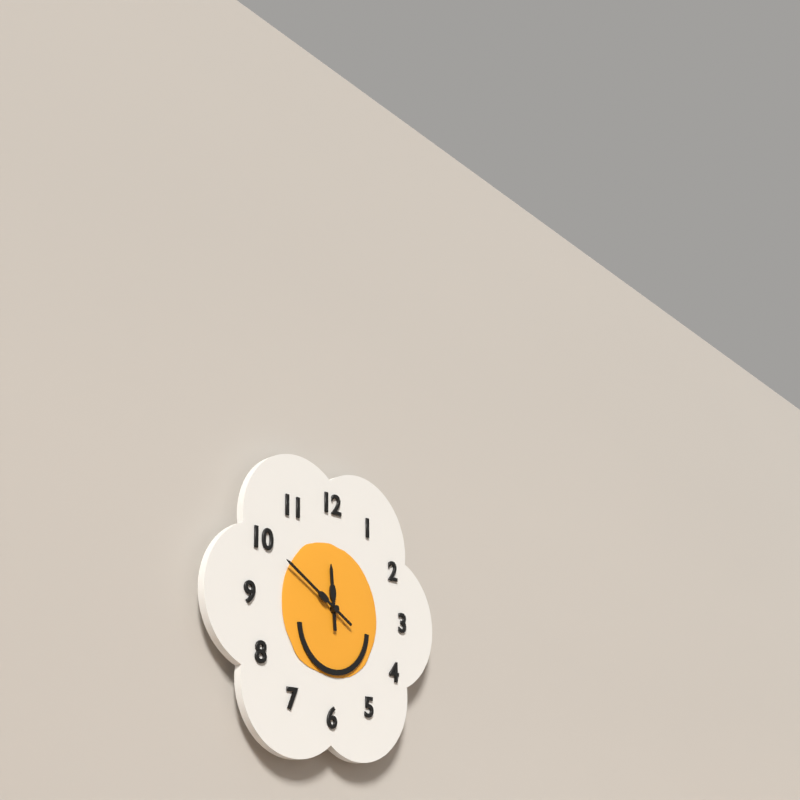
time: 11:50
